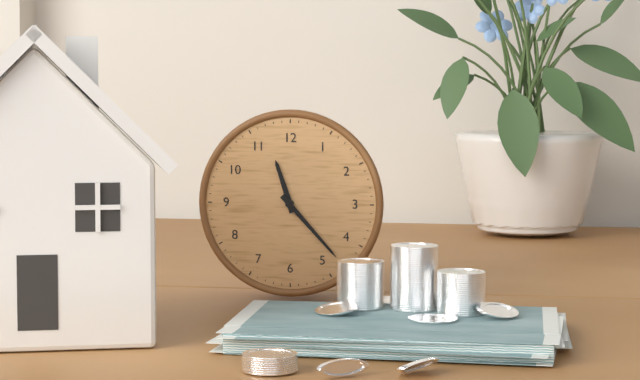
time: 11:23
